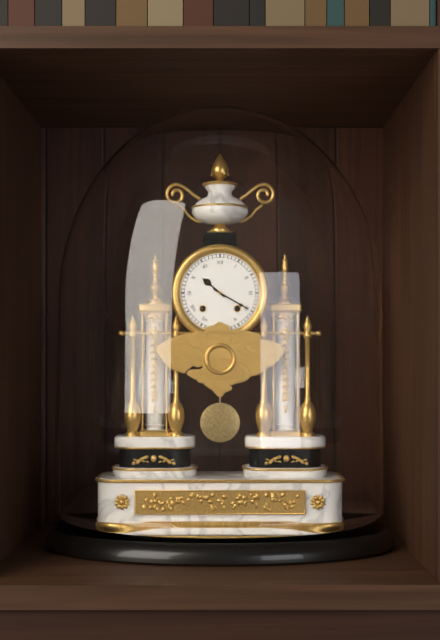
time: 10:20
